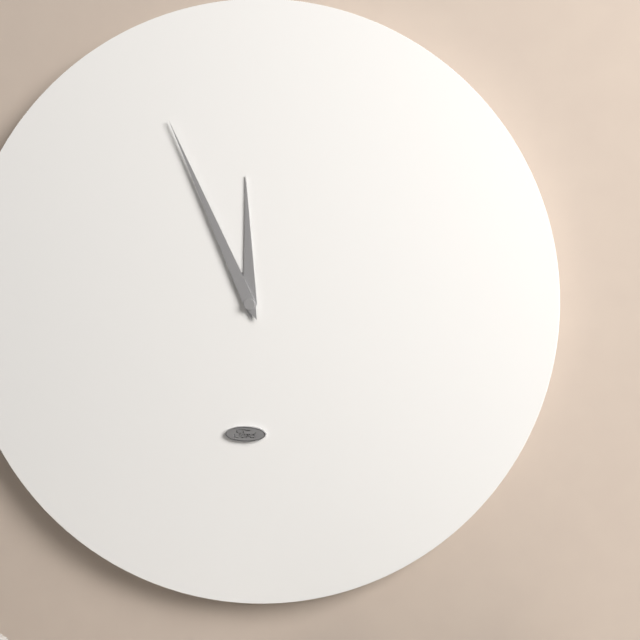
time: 11:56
